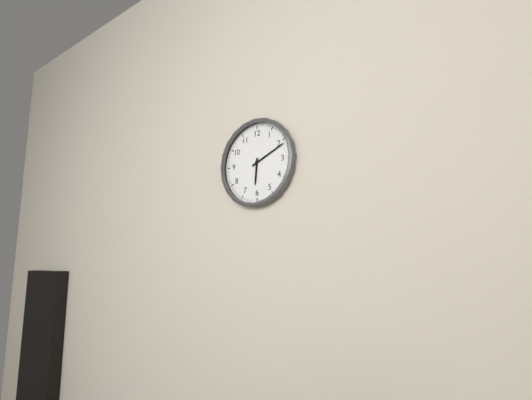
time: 6:11
